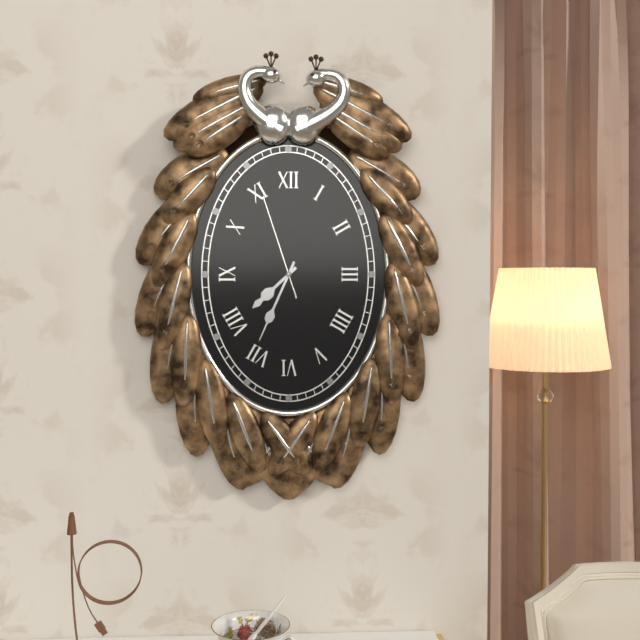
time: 7:34:57
